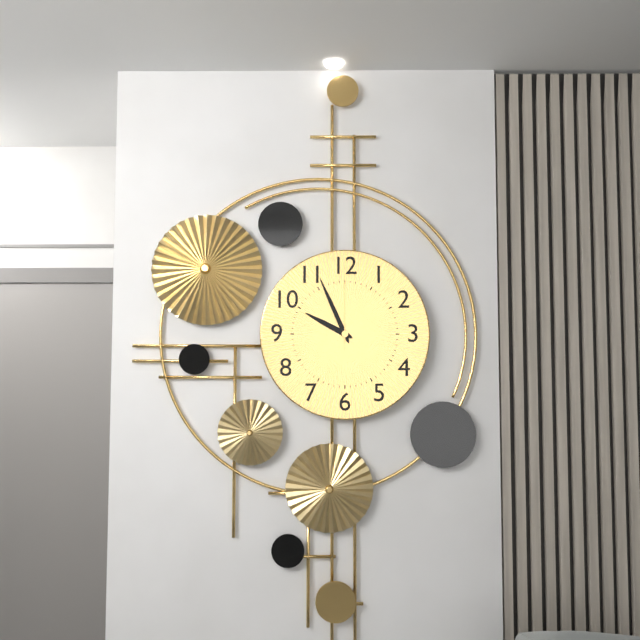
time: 9:56:00
